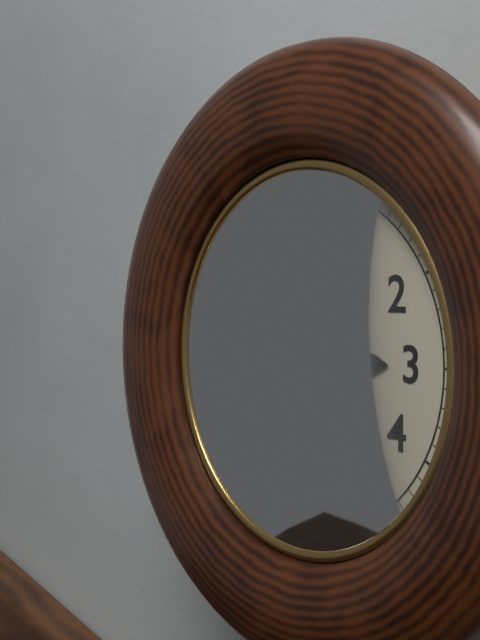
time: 3:00
